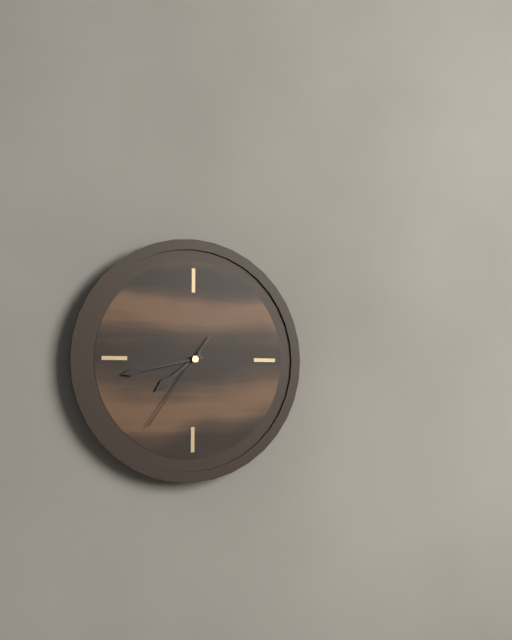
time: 7:43:36
